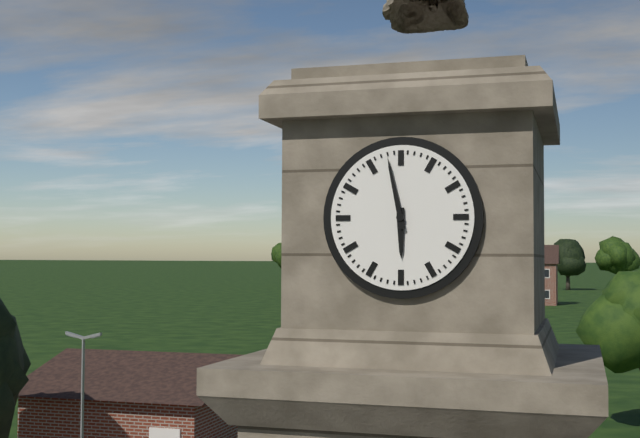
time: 5:58
